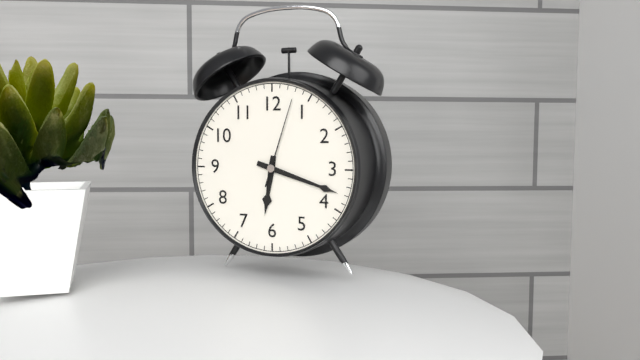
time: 6:18:03
